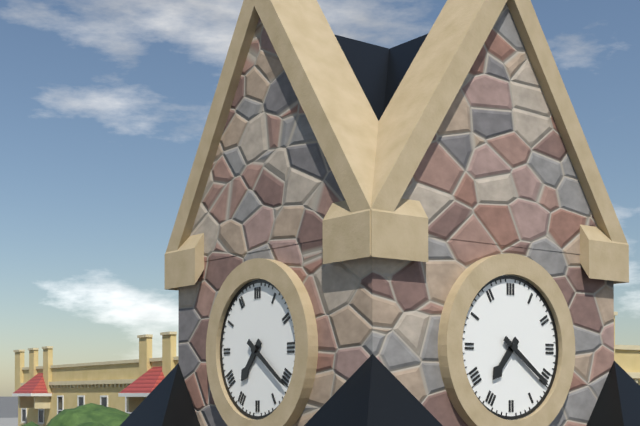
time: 7:21
